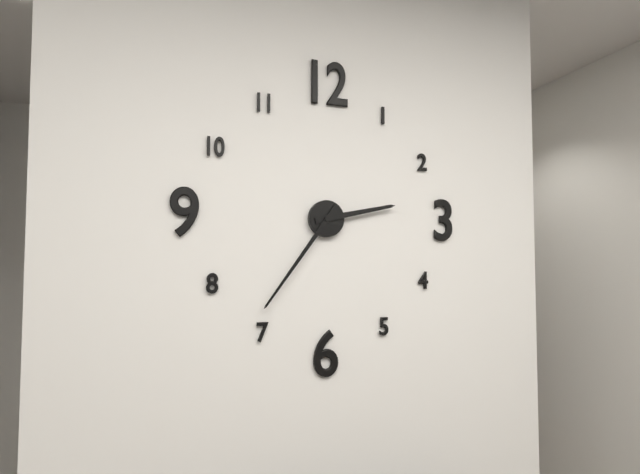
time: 2:36
